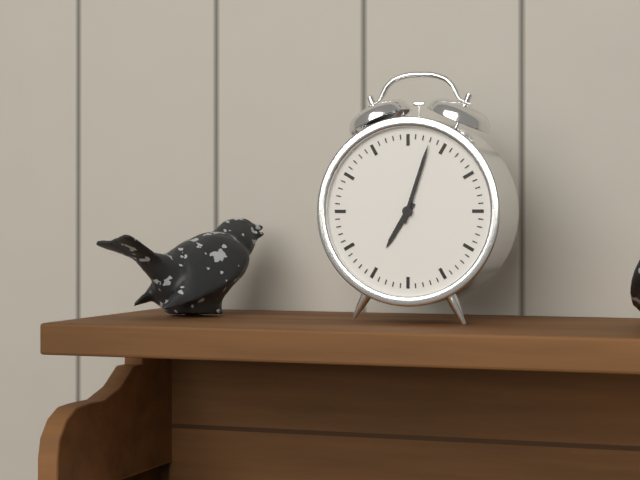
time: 7:03
